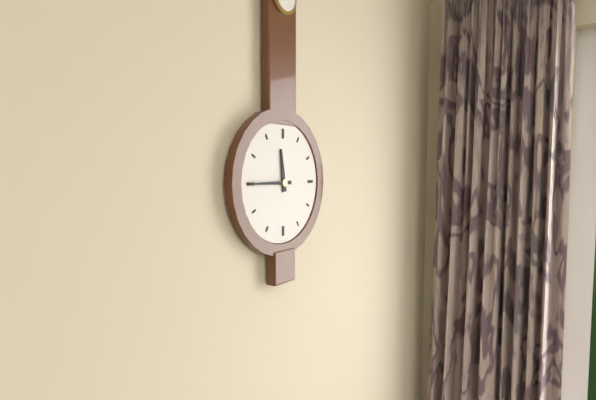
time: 11:45
